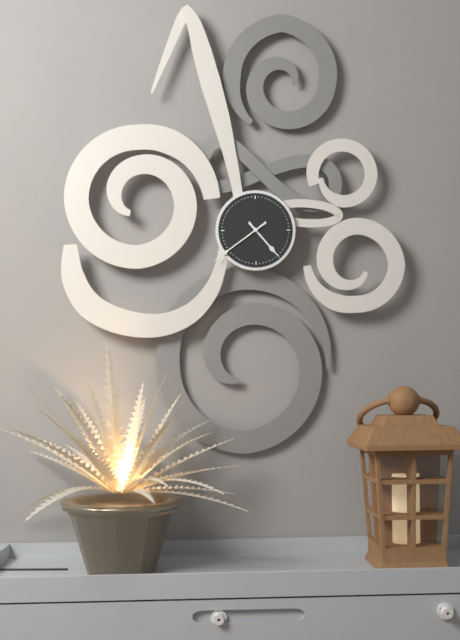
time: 4:39
